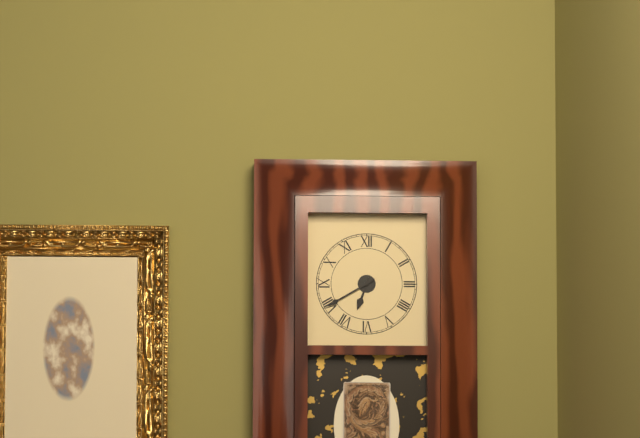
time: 6:40
